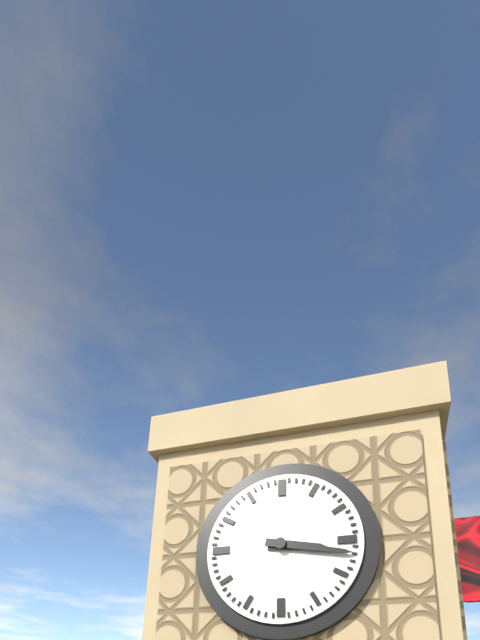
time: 3:17
